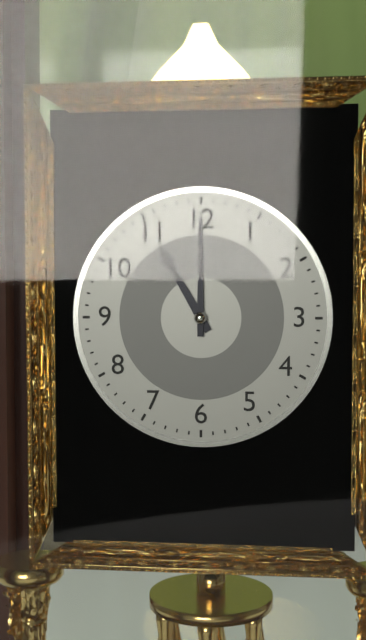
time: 11:00
